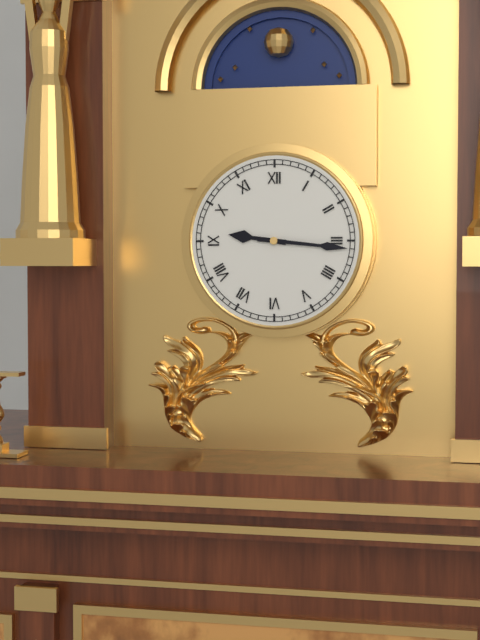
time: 9:16
